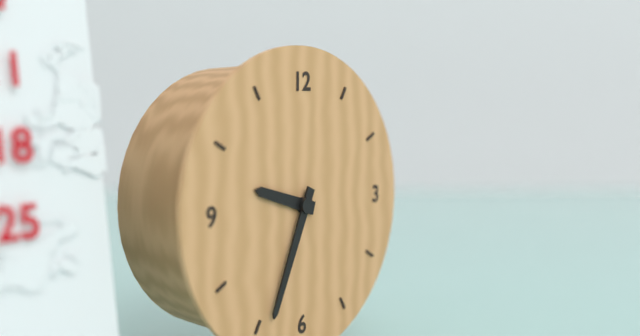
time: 9:34
